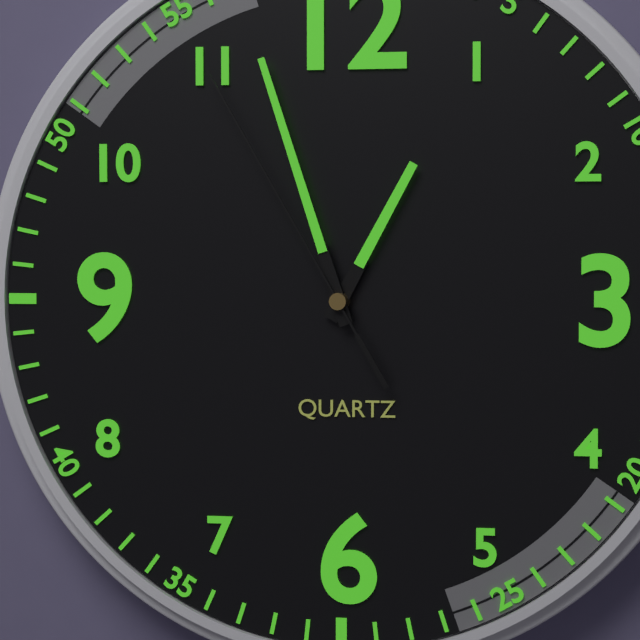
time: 12:57:55
